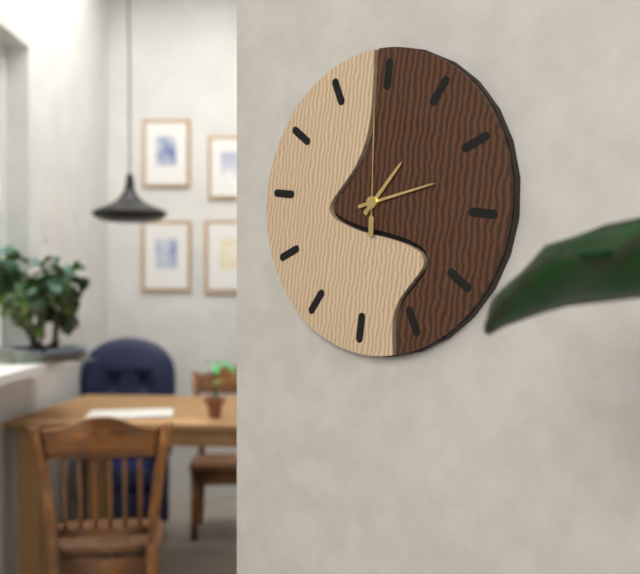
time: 1:12:59
